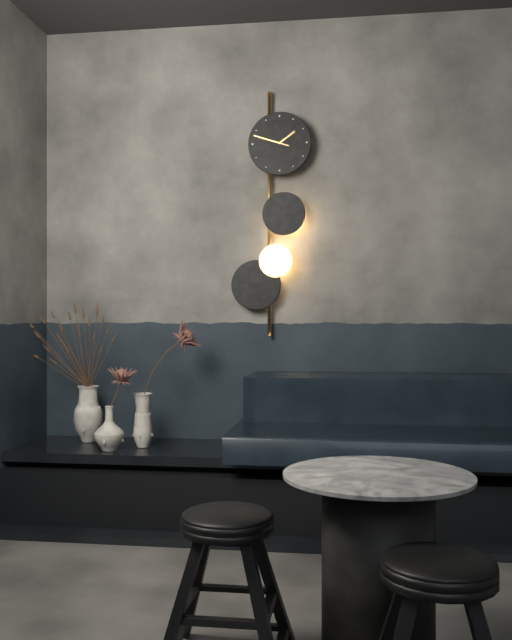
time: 1:48
